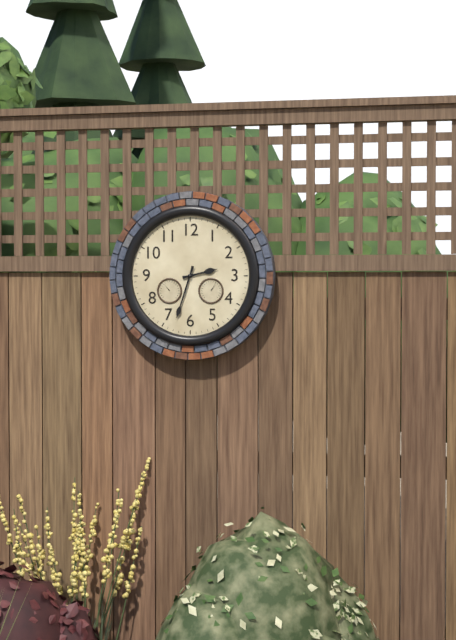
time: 2:33
